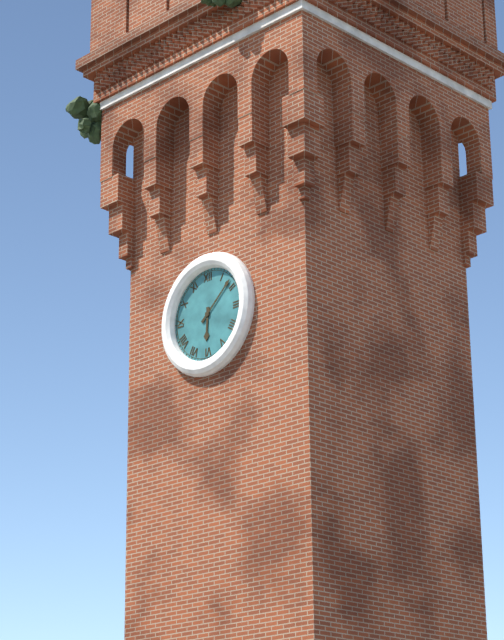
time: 6:08
